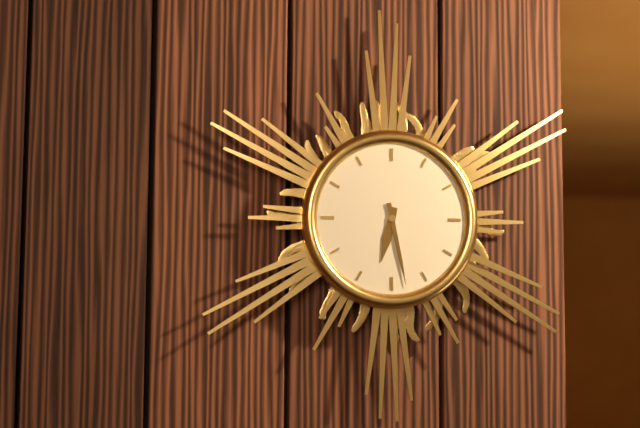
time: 6:28
